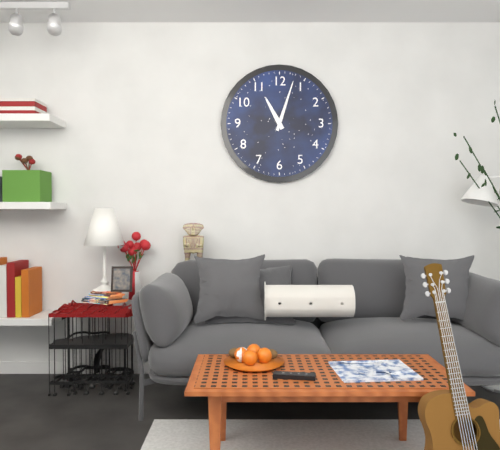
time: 11:03
